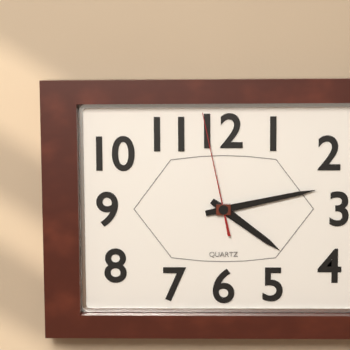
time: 4:13:58
